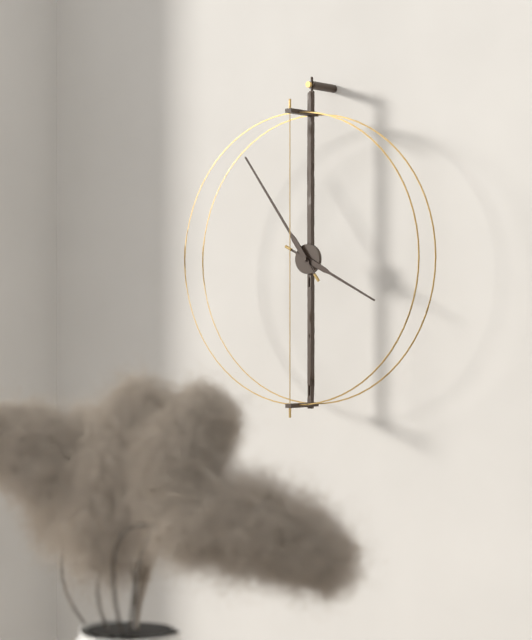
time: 3:54
